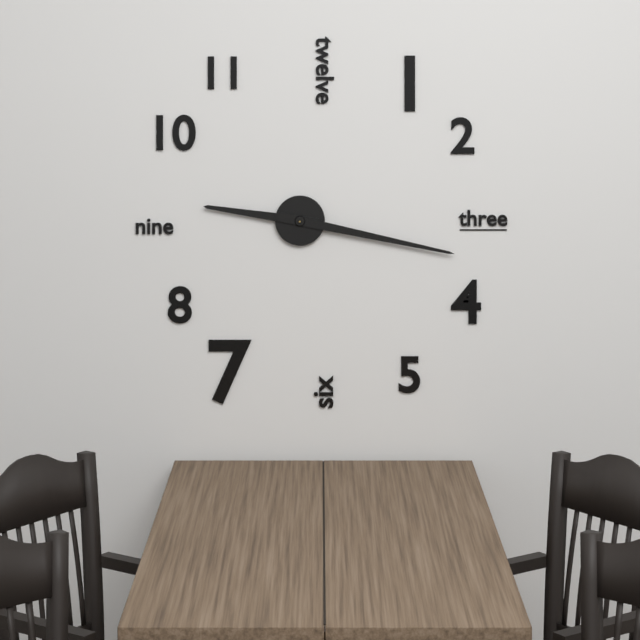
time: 9:17
